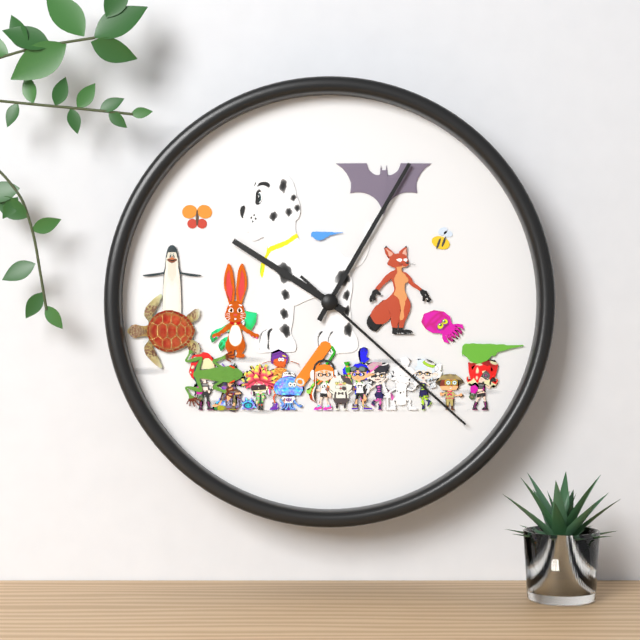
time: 10:05:22
